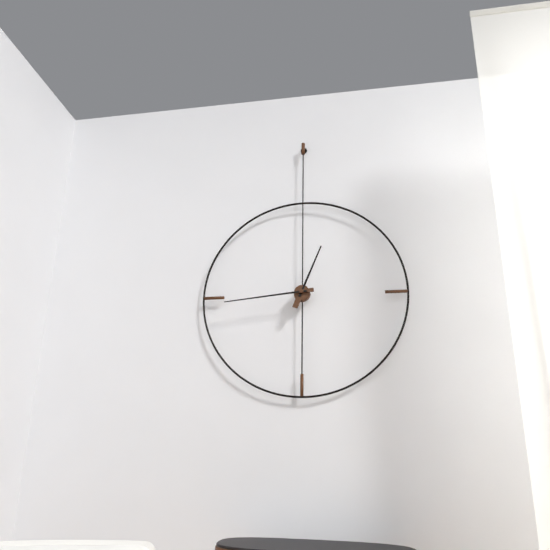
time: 12:44
